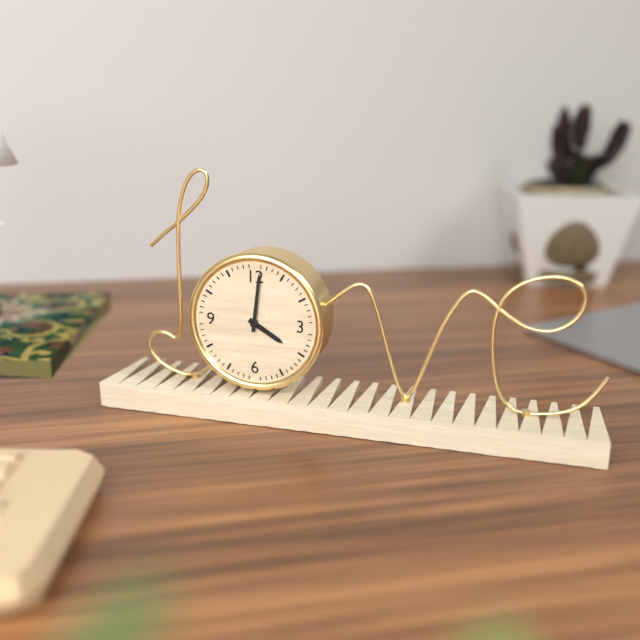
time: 4:01
